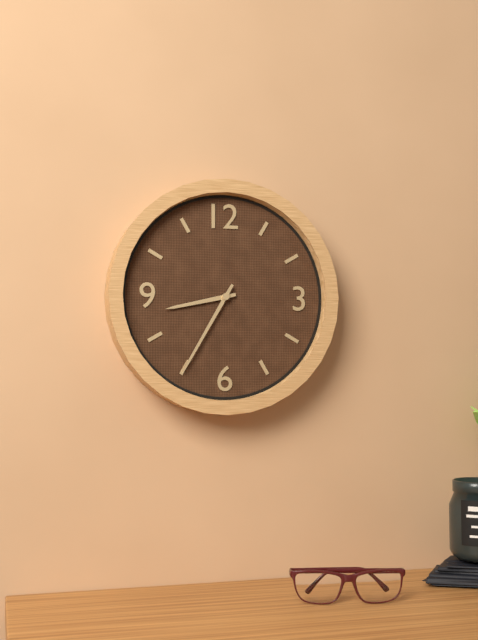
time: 8:35
